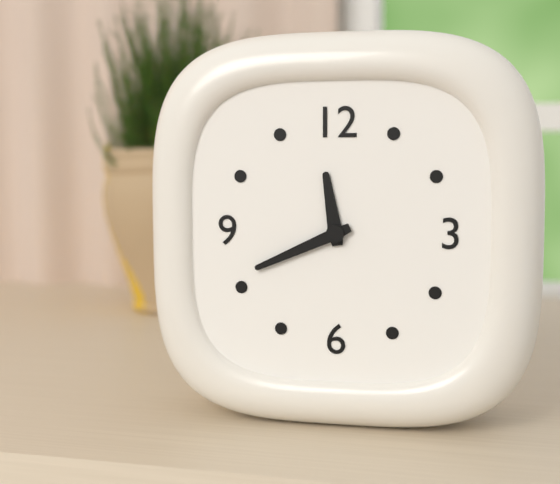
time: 11:41
